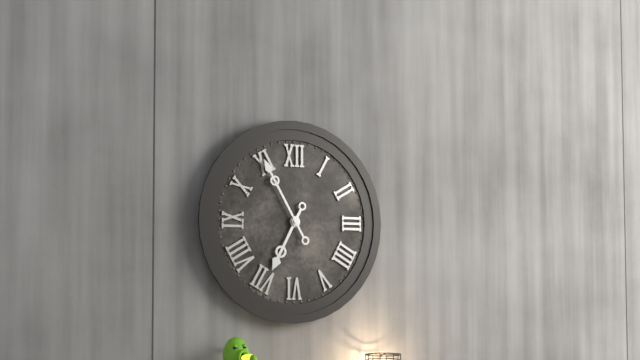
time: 6:55
